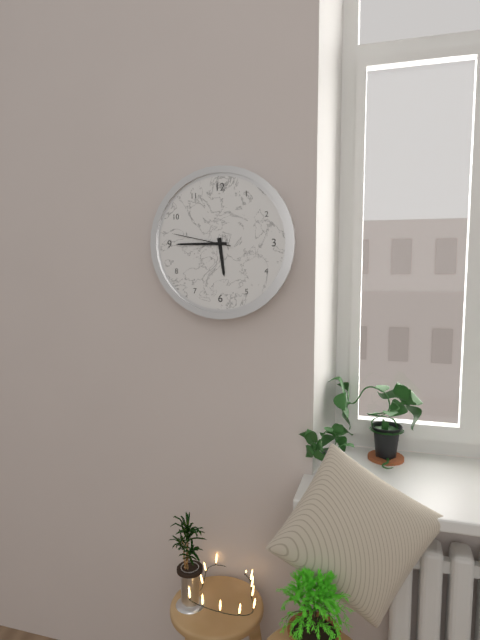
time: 5:45:47
